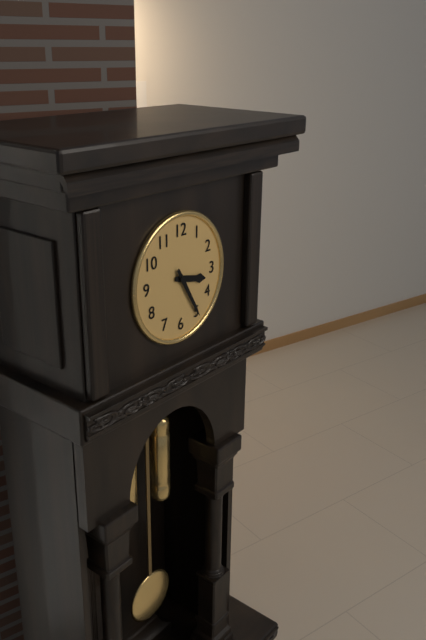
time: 3:25
